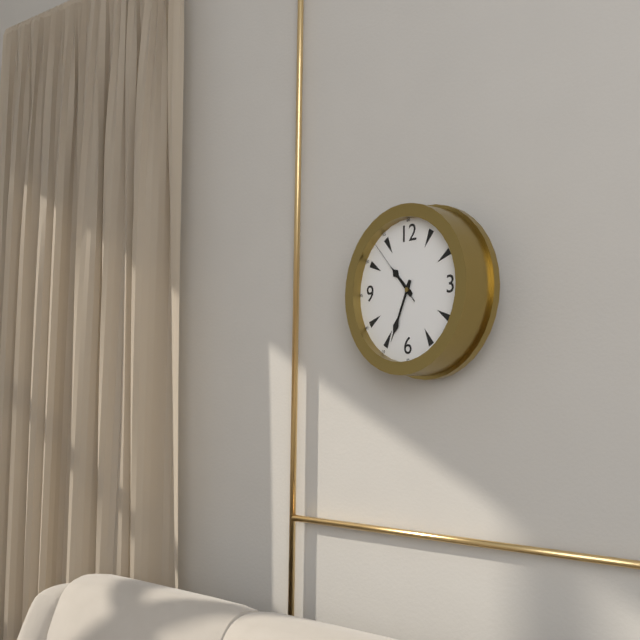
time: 10:34:53
